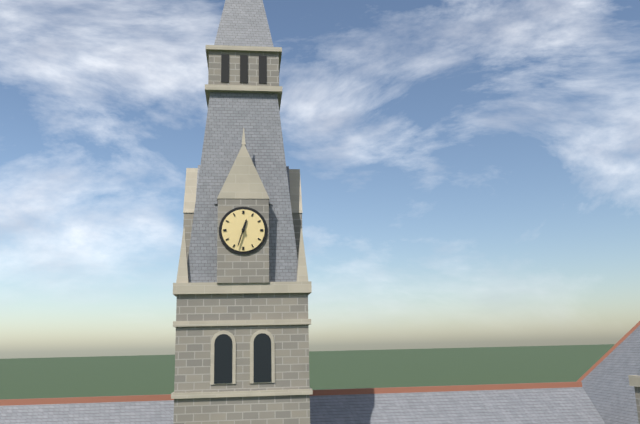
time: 12:33
